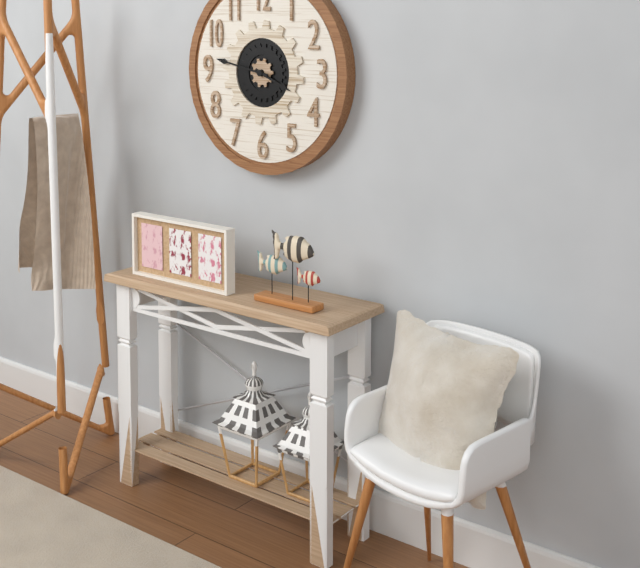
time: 3:47
